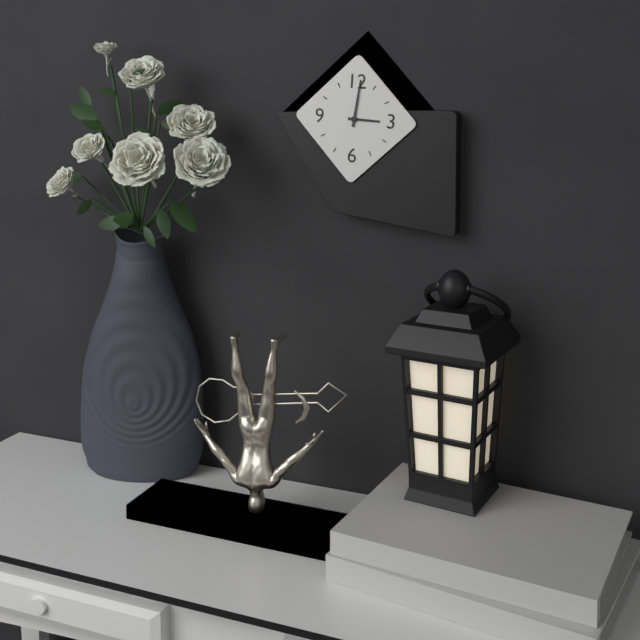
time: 3:01
